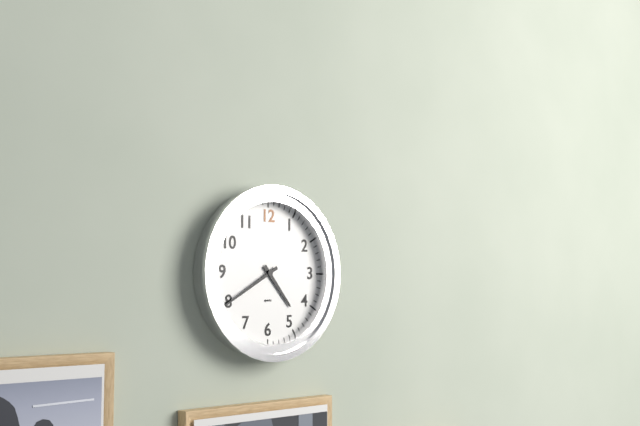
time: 4:40
